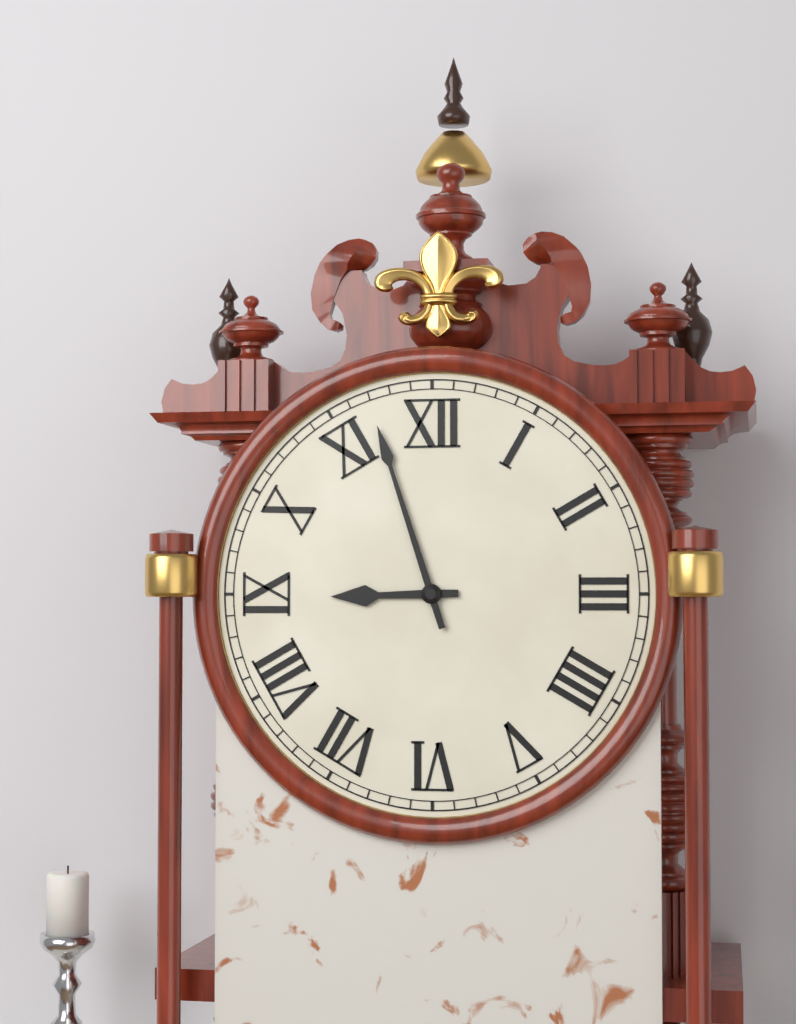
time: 8:57
